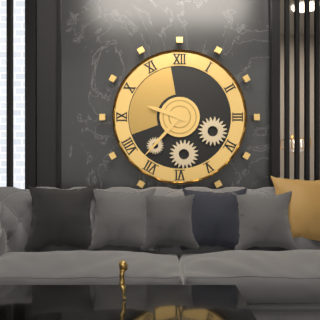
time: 9:37
